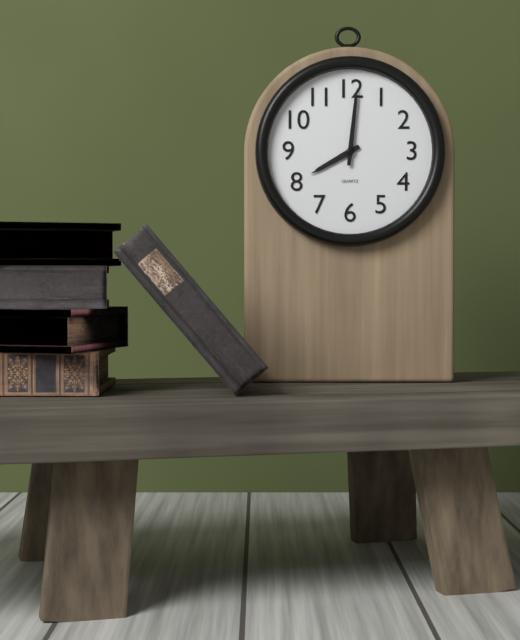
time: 8:01
